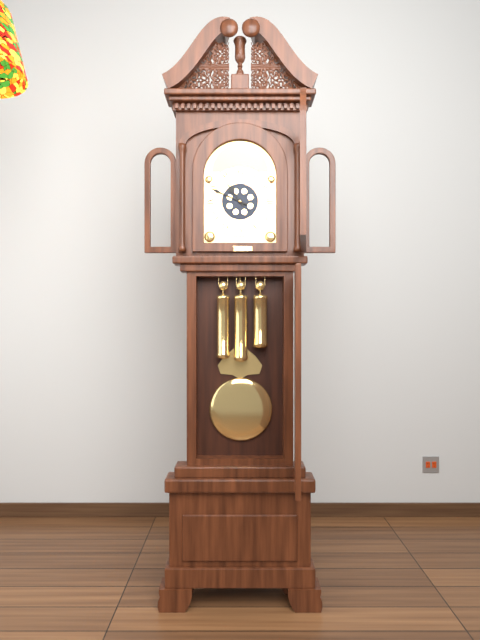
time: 10:49
